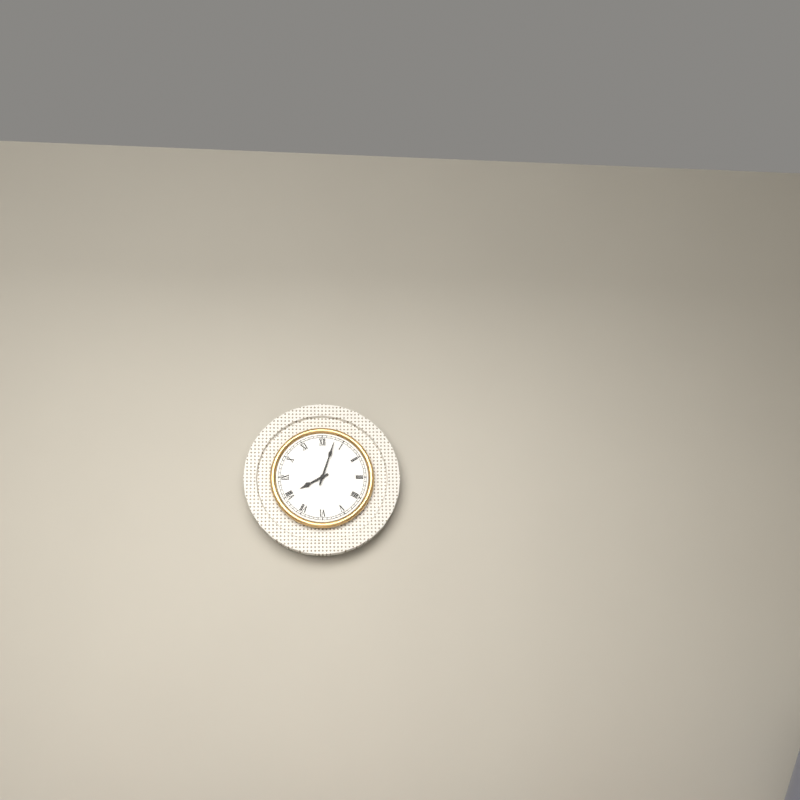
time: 8:03
